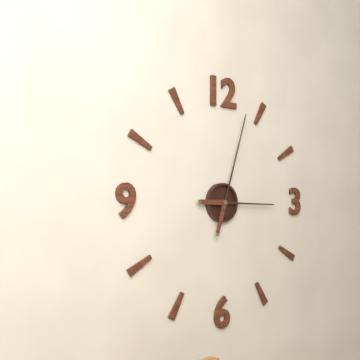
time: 3:03
